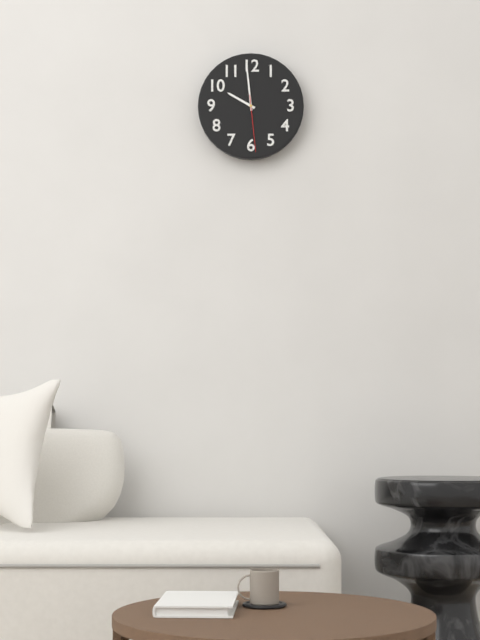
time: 9:59:29
